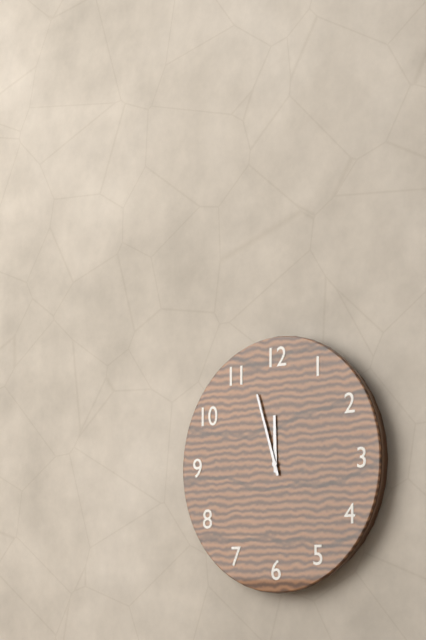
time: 11:57
